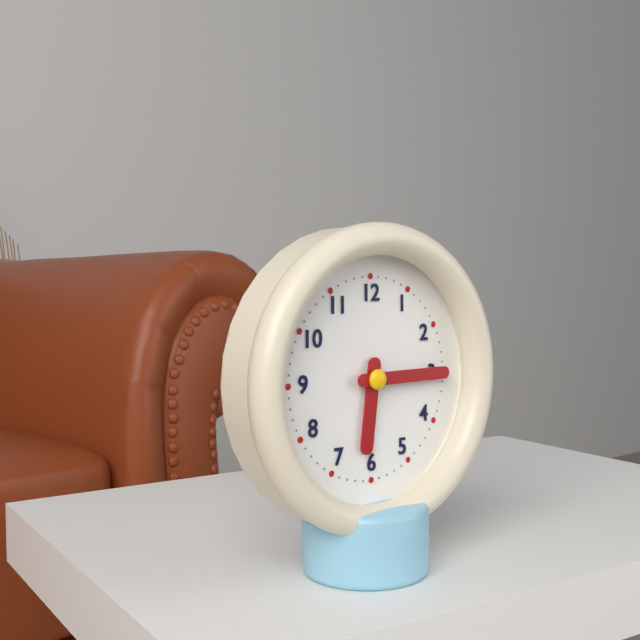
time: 6:15
